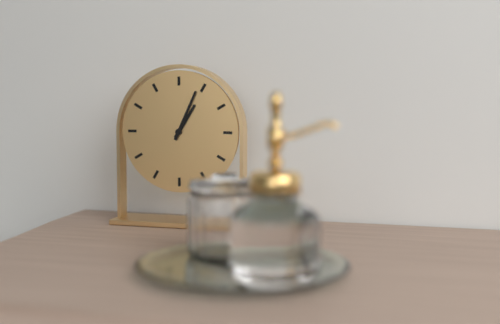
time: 1:04
